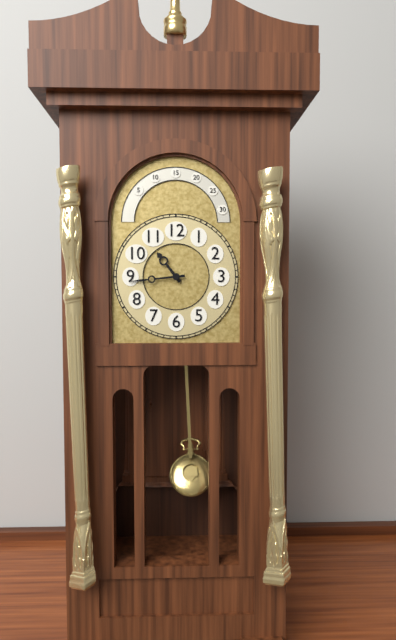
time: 10:44
